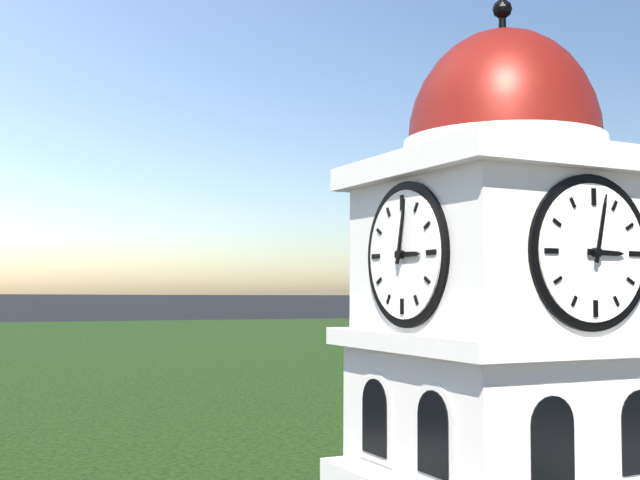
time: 3:02
